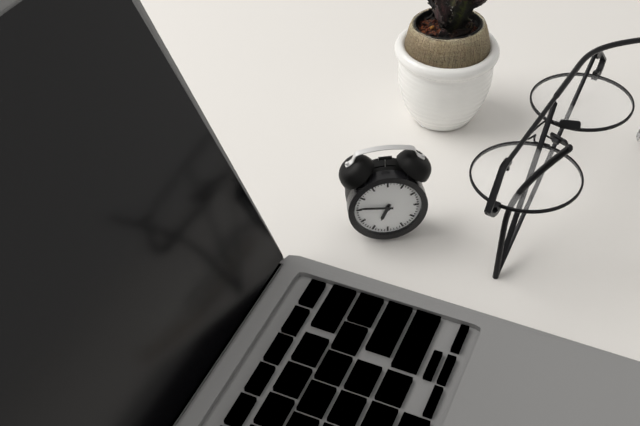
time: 6:46
